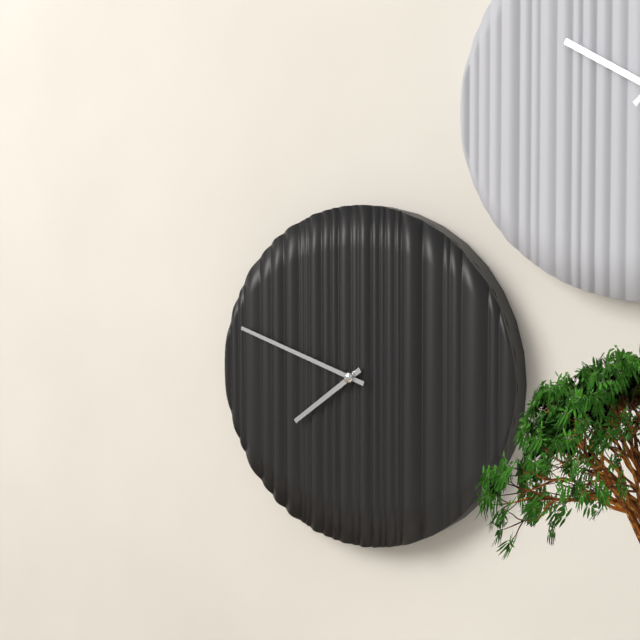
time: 7:48
